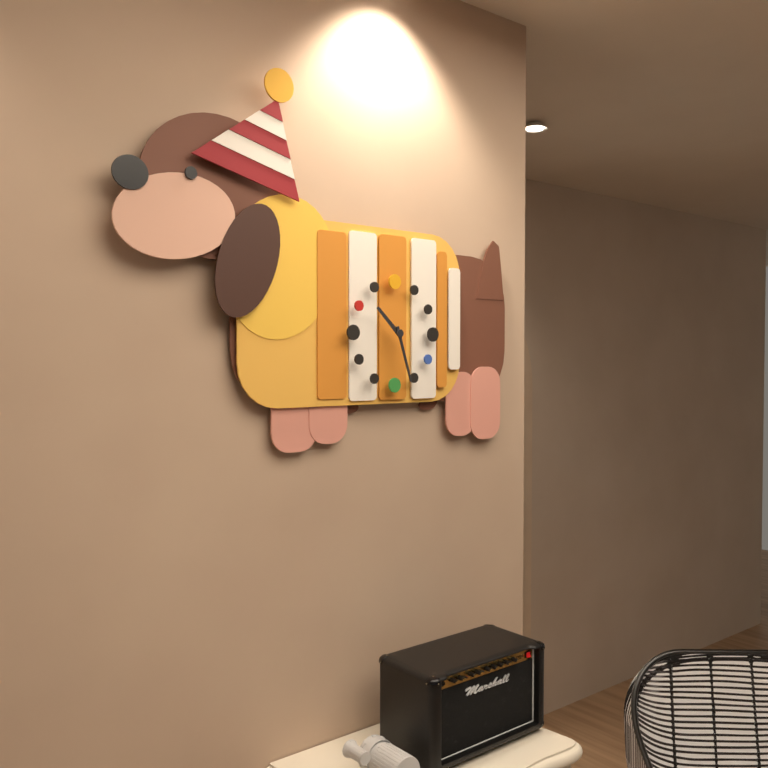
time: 10:27
